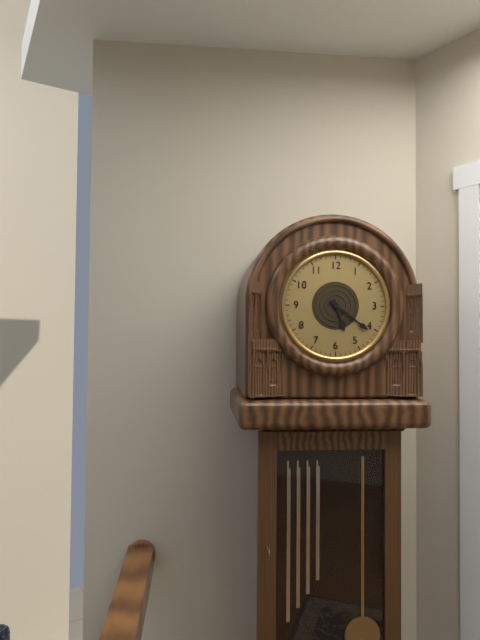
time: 5:21
